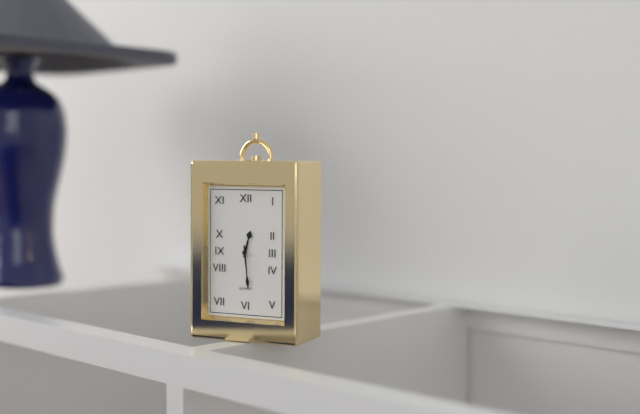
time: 12:29
